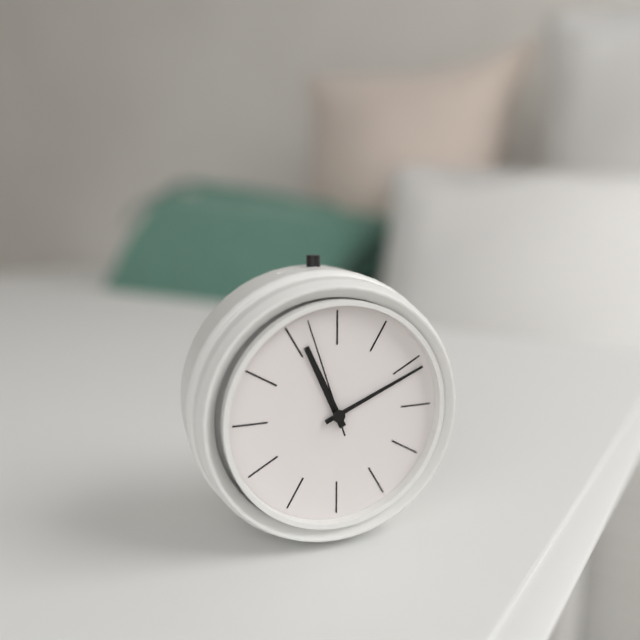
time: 11:11:57
